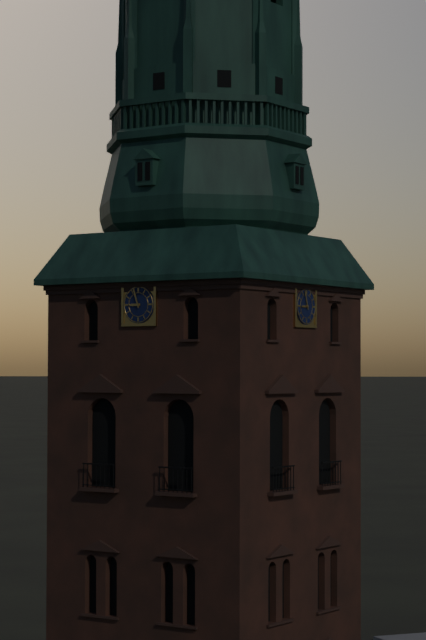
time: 8:57
